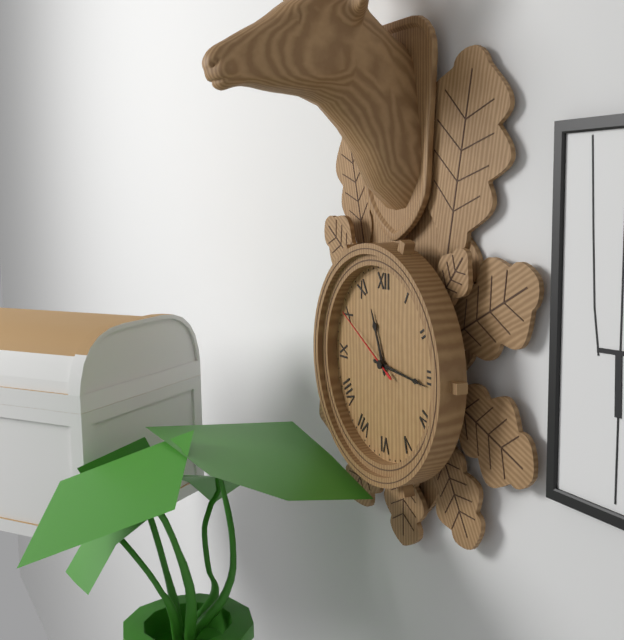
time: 11:16:50
